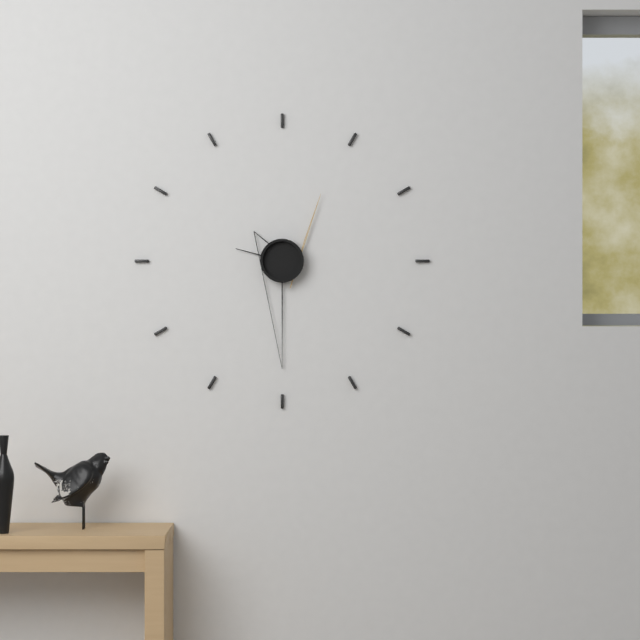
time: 9:30:05
